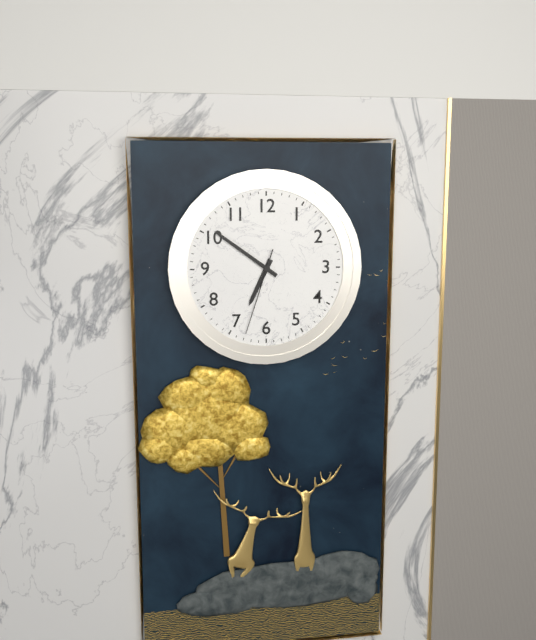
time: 6:51:33
